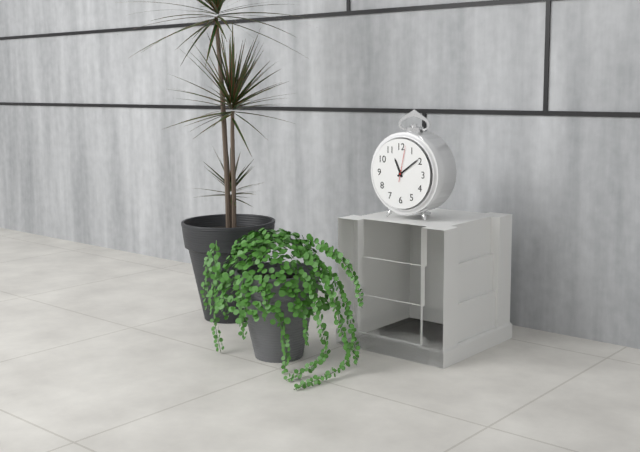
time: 11:09
